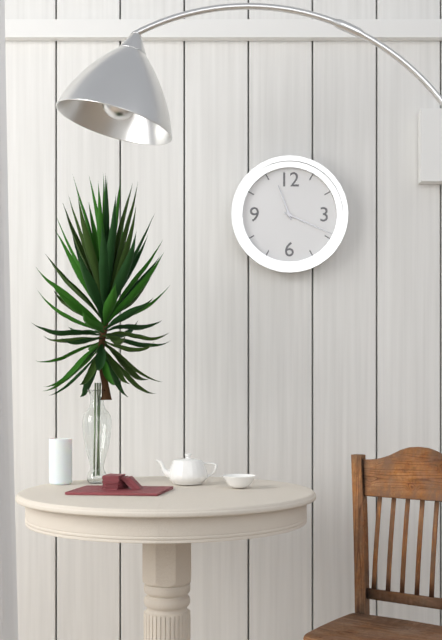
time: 11:19
